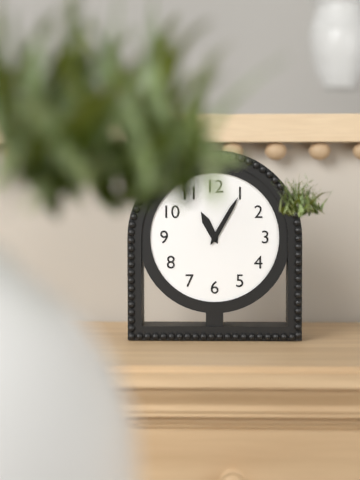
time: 11:05
